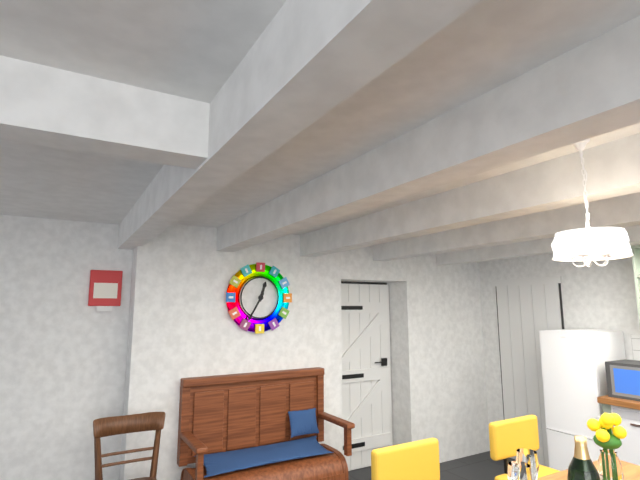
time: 12:35
